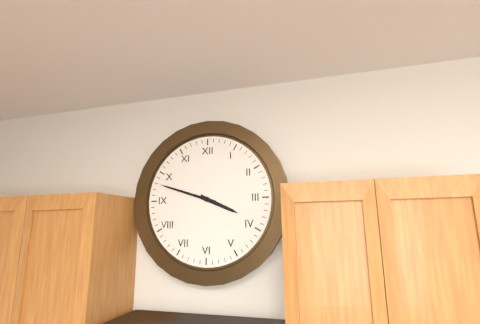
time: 3:48
